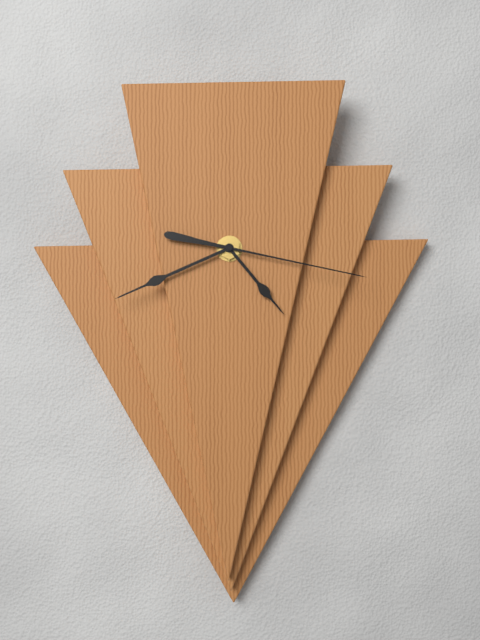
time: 4:41:17
